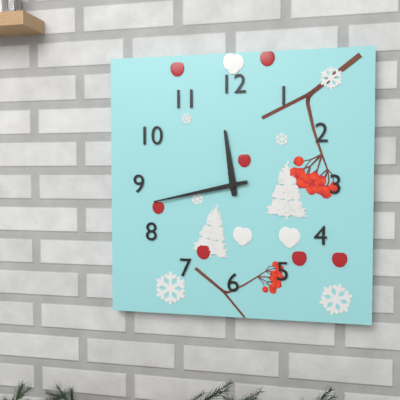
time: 11:43
